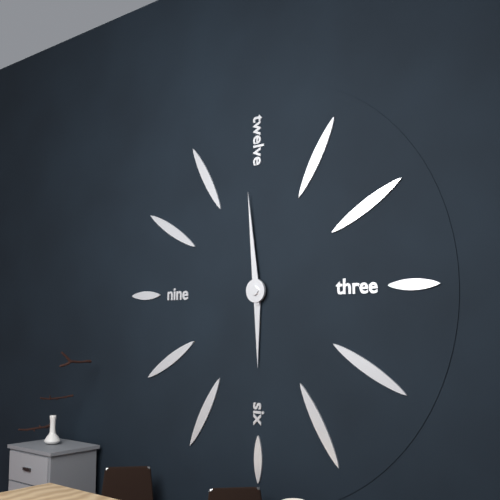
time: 5:59
